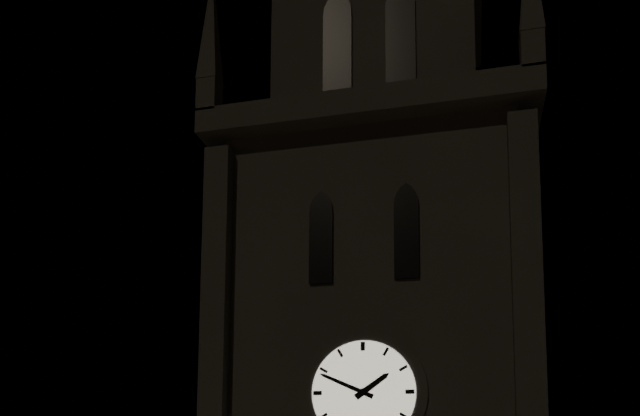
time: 1:49
